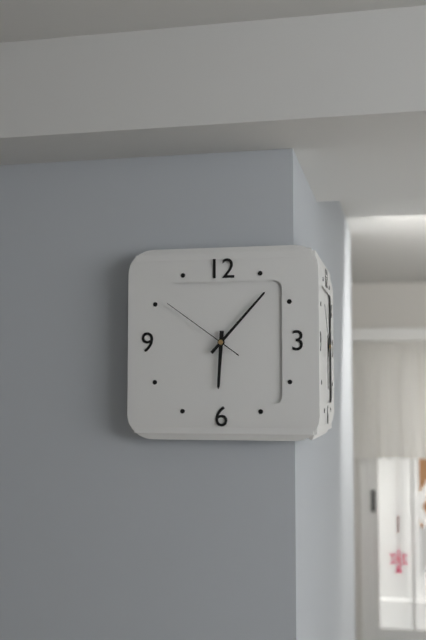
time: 6:07:51
